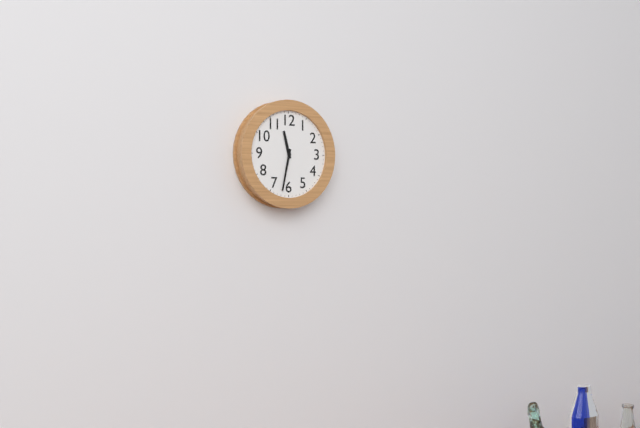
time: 11:32
